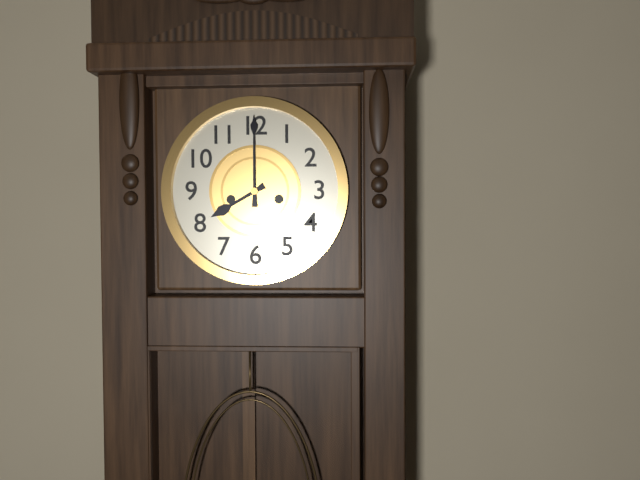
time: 8:00
